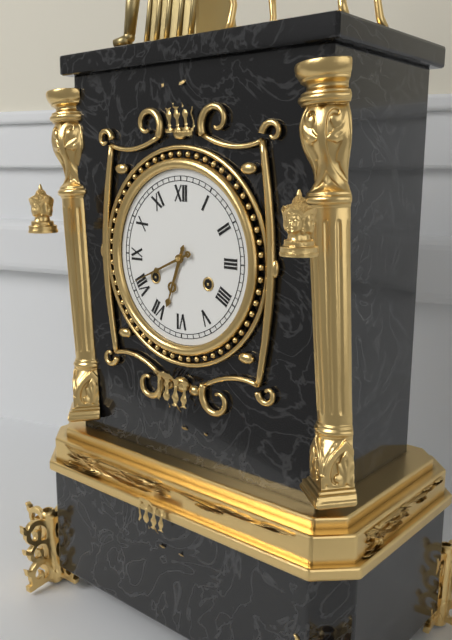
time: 6:41
